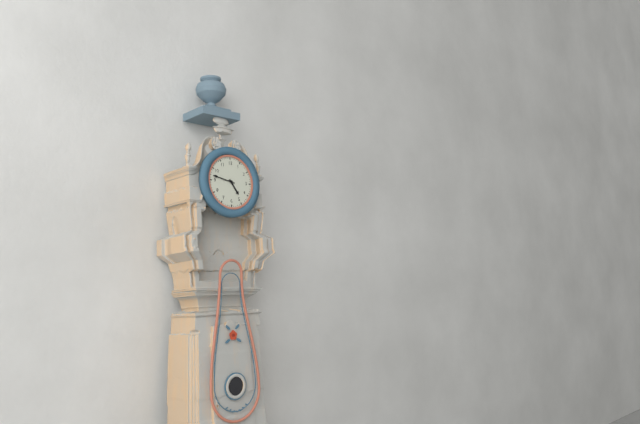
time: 4:47
